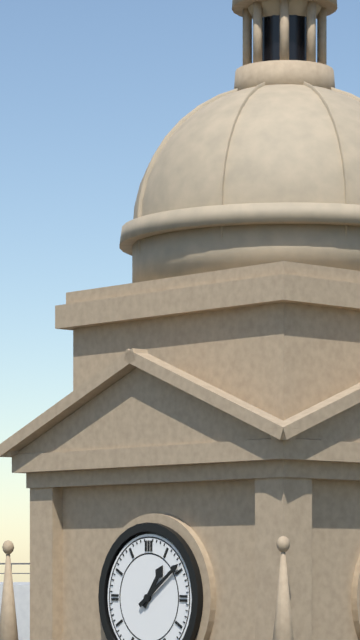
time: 1:09
